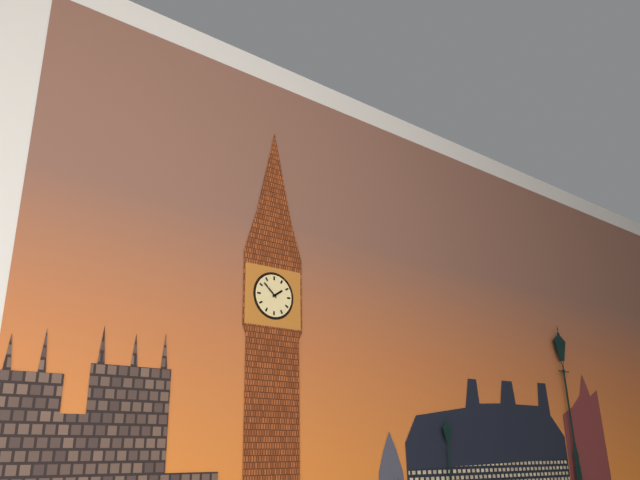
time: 1:52
